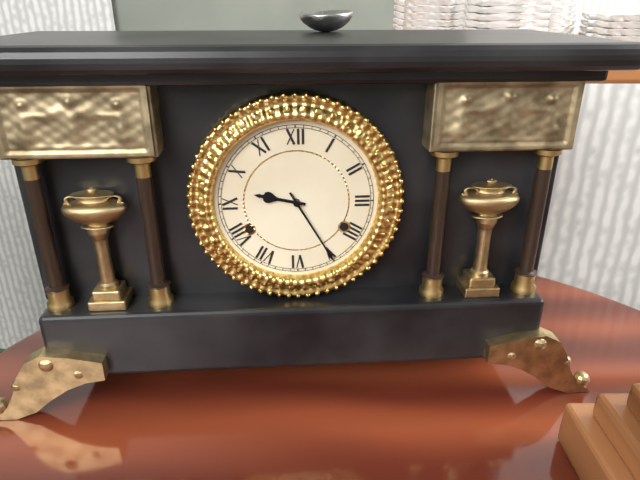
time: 9:25
